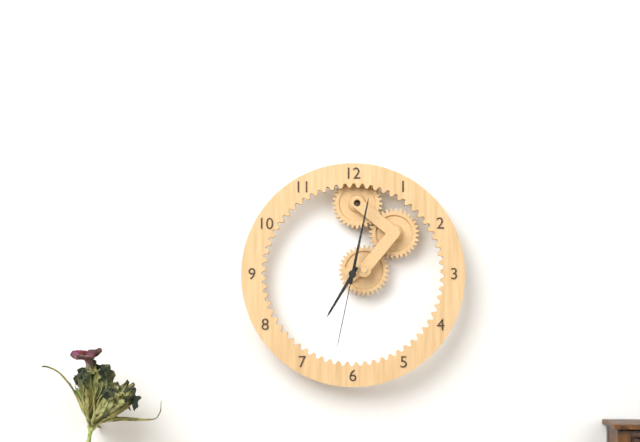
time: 7:02:32
